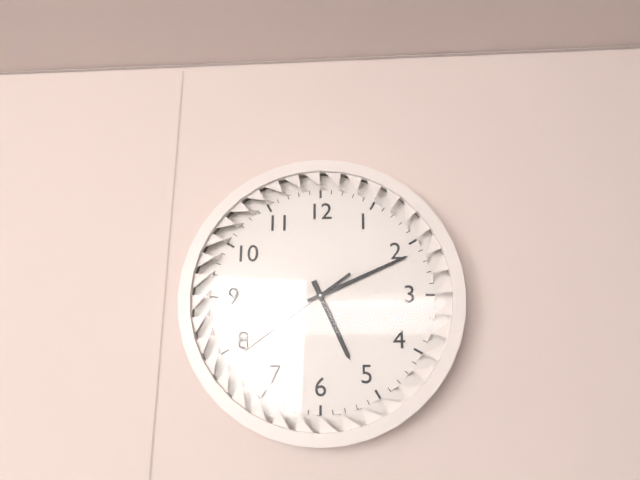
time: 5:11:39
